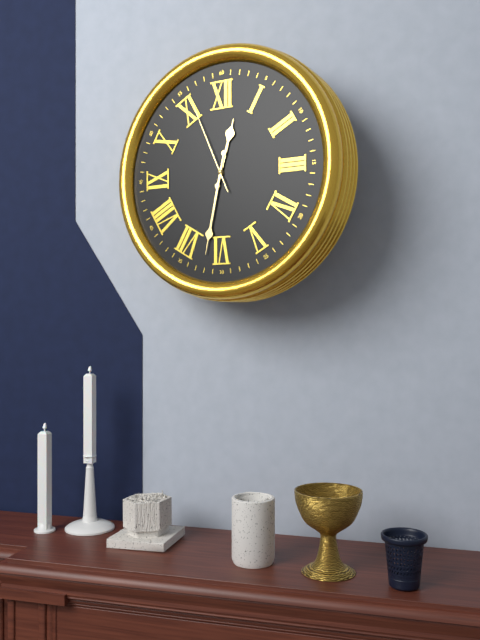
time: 12:32:56
